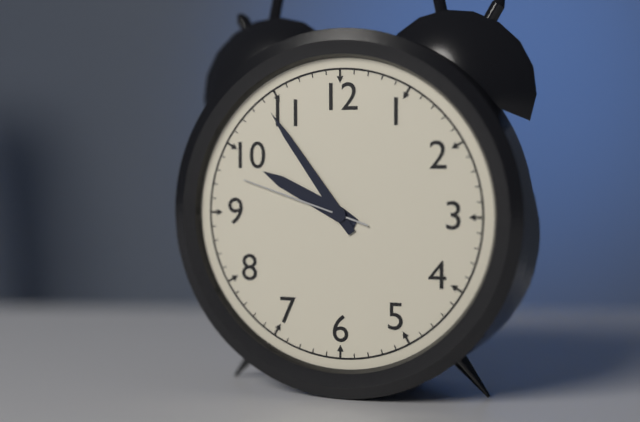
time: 9:54:48
